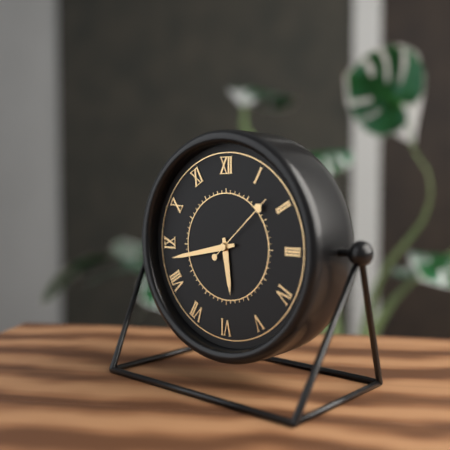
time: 5:43:08
